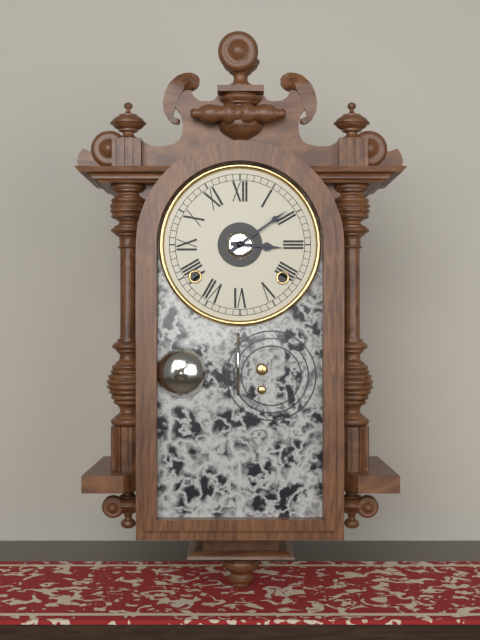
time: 3:09
